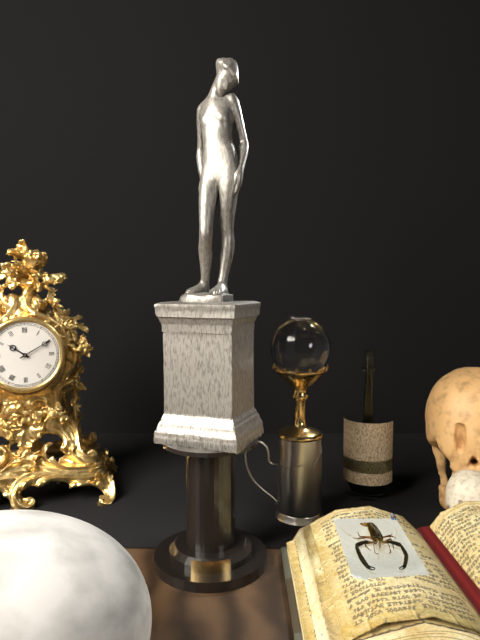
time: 10:10
